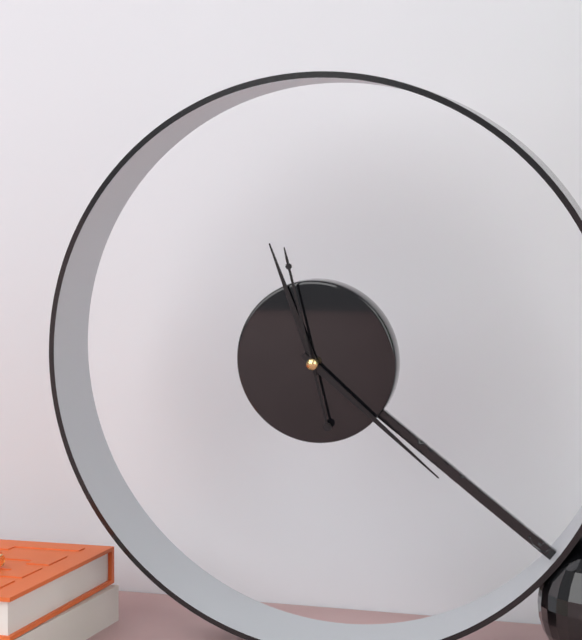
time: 11:22:58
